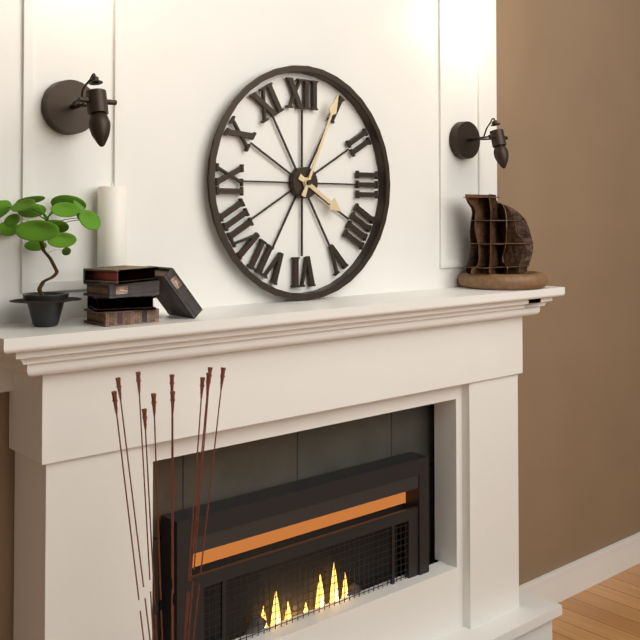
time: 4:04
